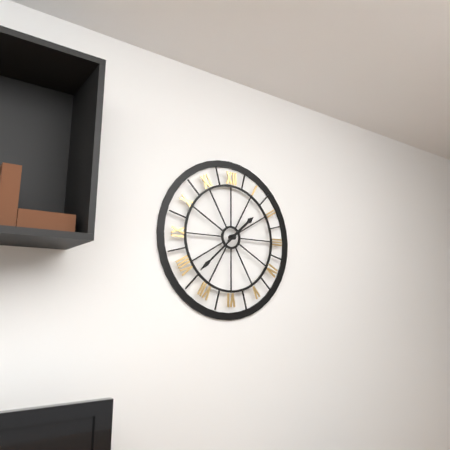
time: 1:38
